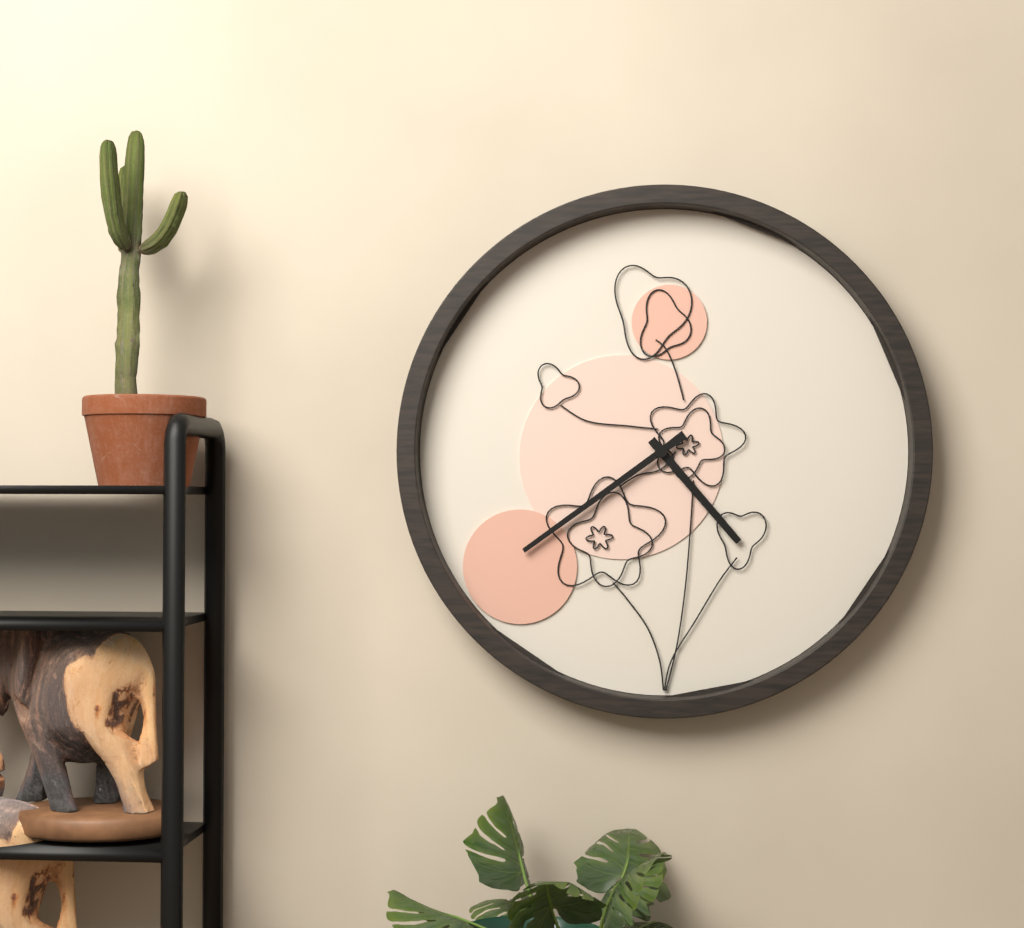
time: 4:39
